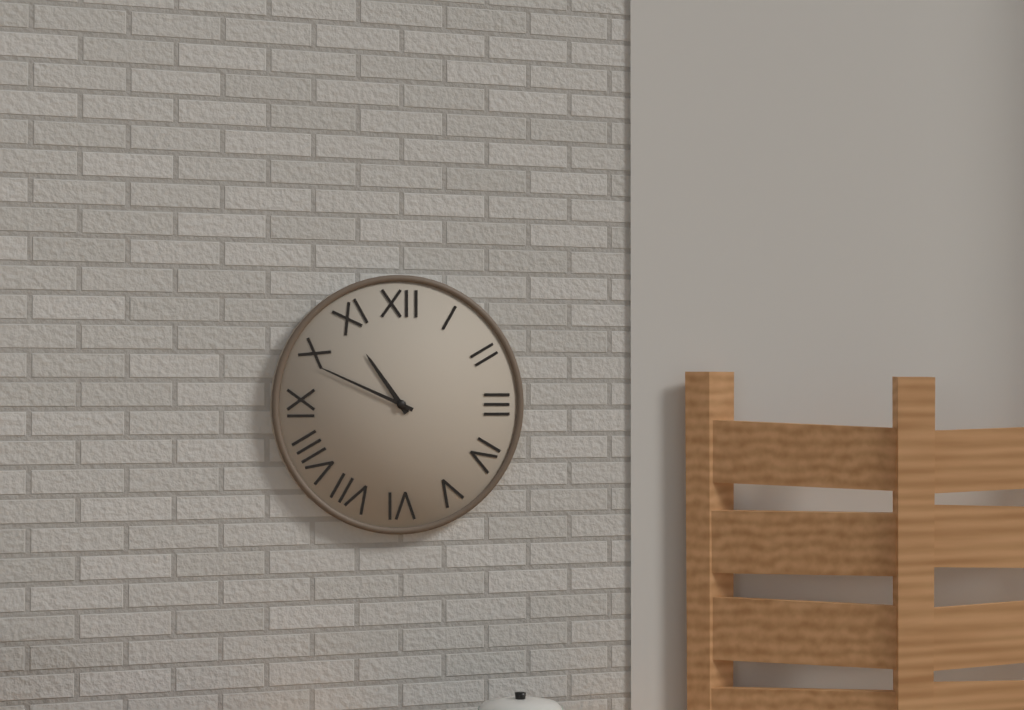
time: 10:49
